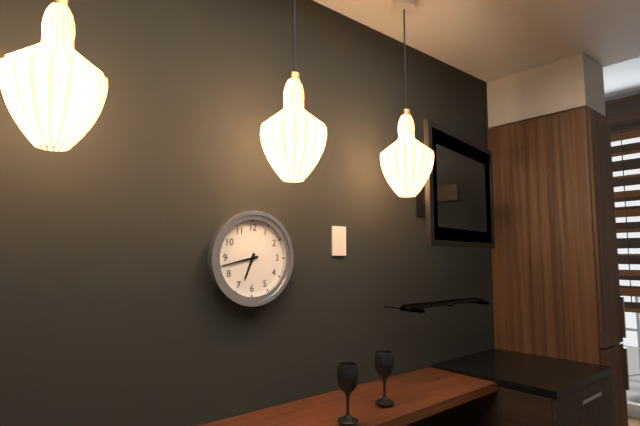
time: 6:43
